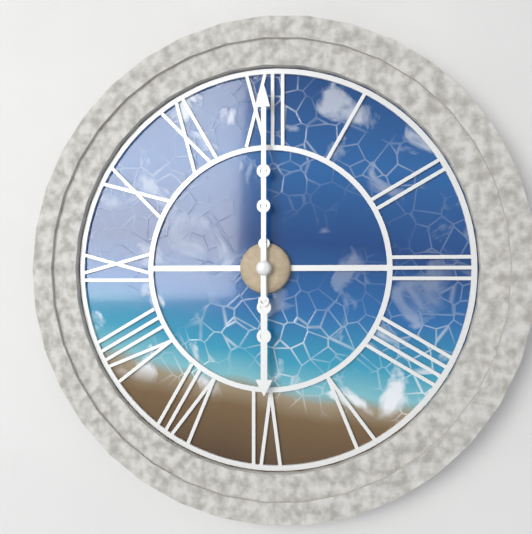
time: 6:00
